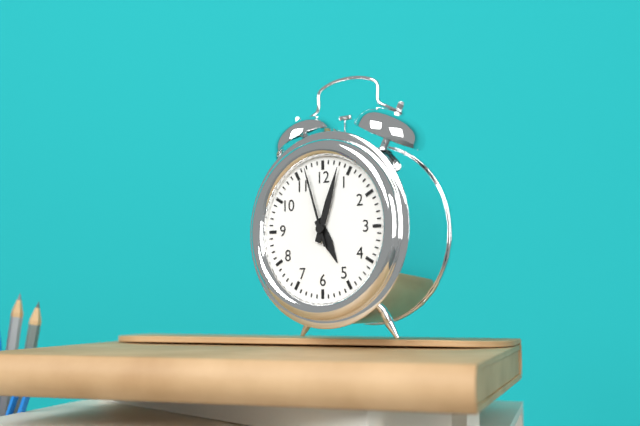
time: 5:03:57
